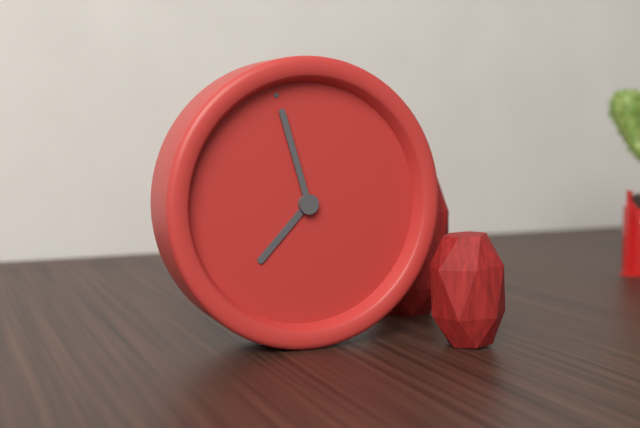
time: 8:00
